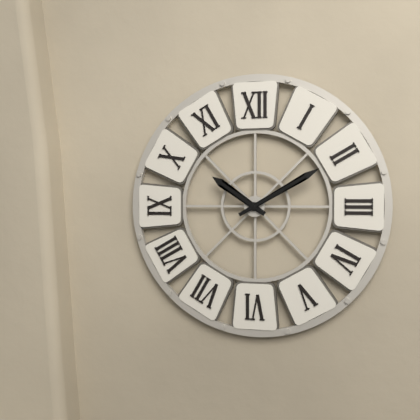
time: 10:10
